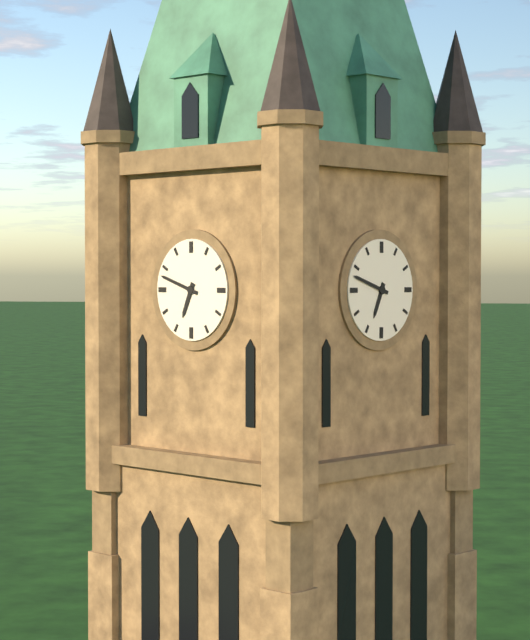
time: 6:48
